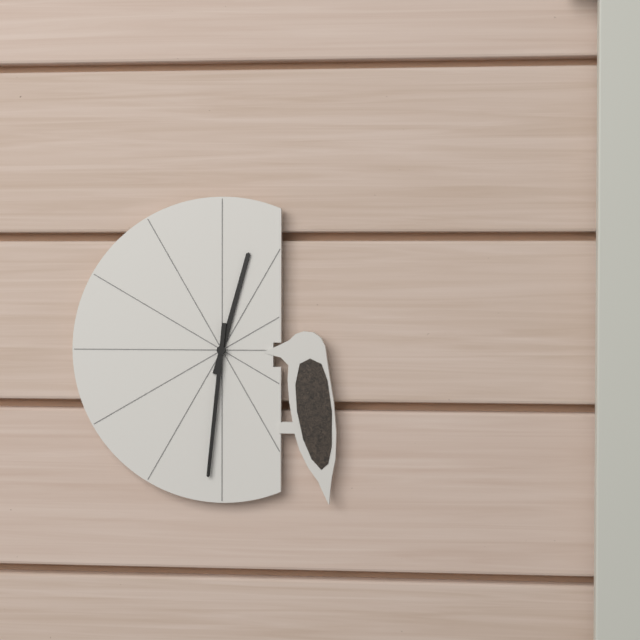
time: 12:31
